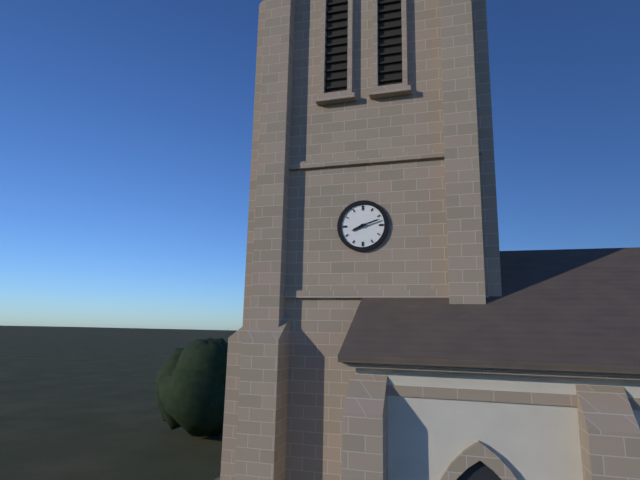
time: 8:12
